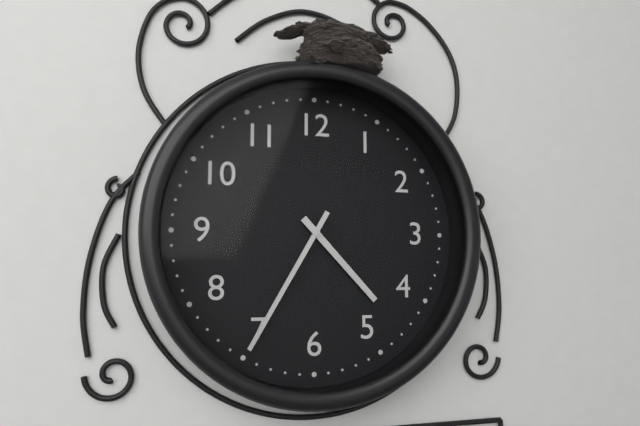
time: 4:35
